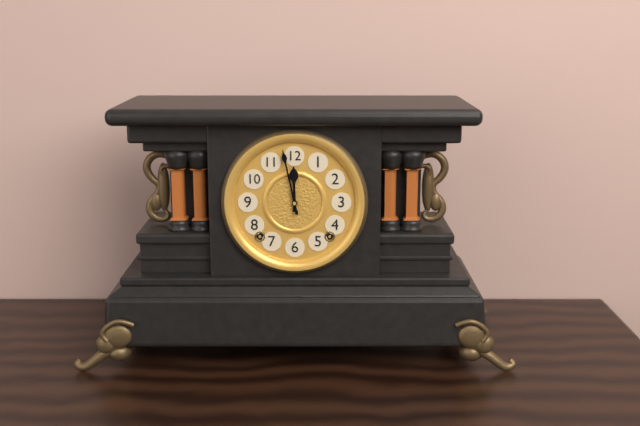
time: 11:58
